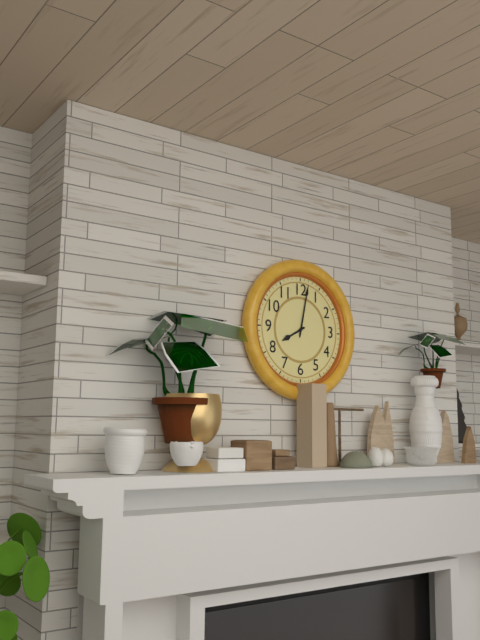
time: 8:02
